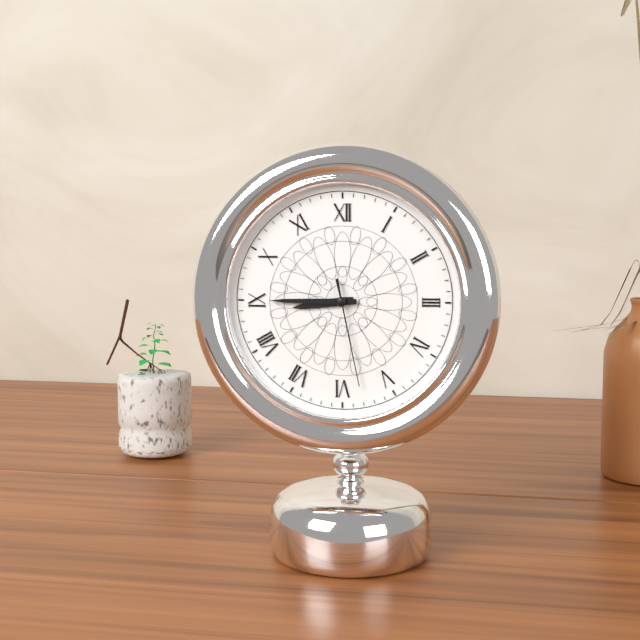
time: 8:45:28
